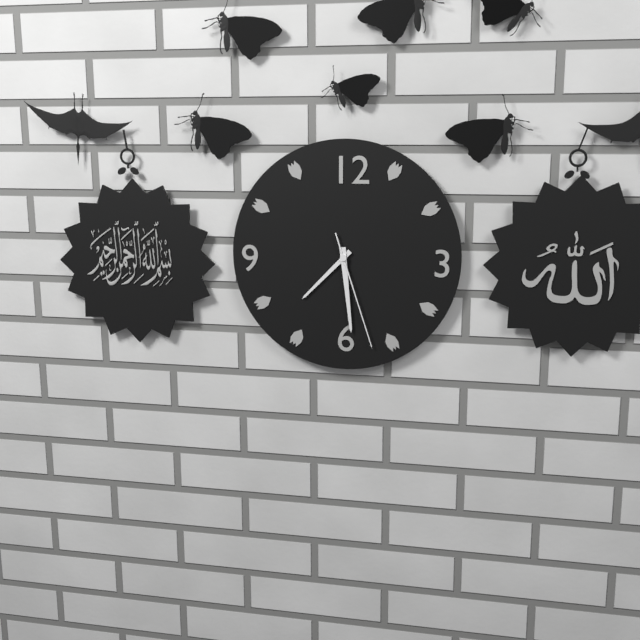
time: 7:29:27
